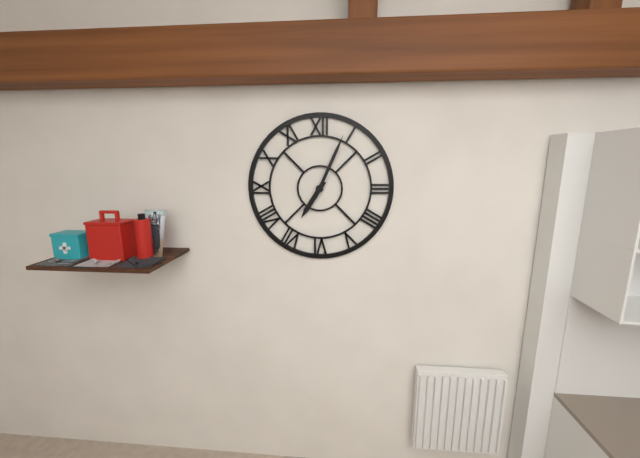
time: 7:04
